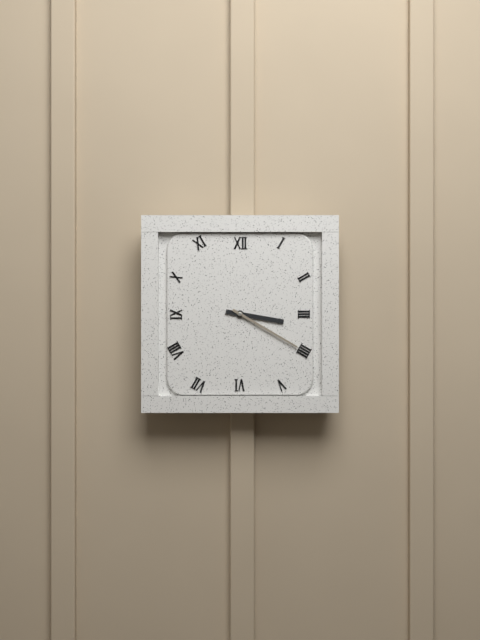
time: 3:20
